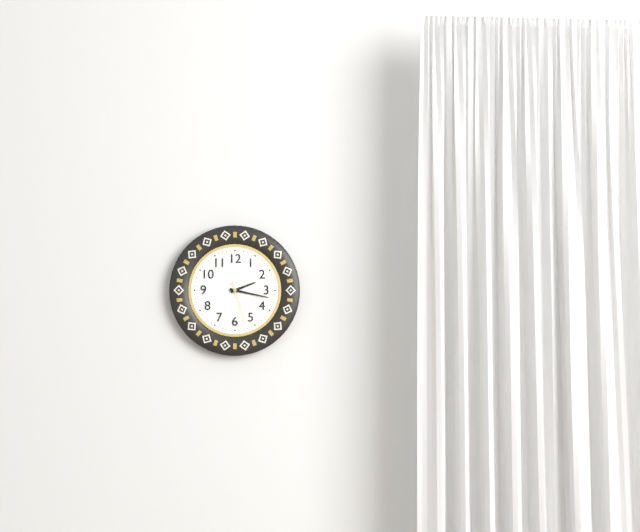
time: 2:17
